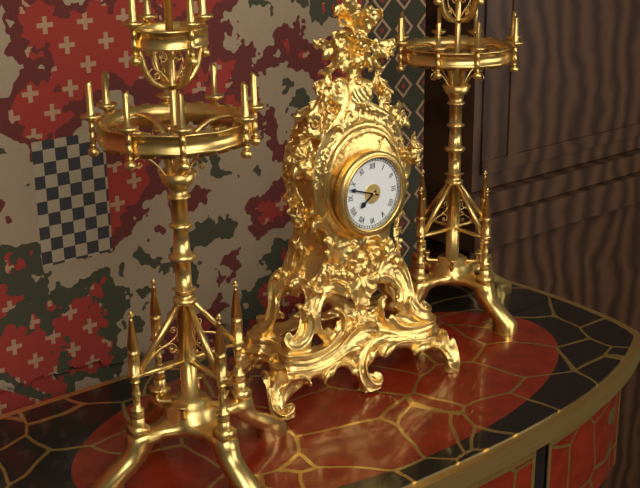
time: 7:48
